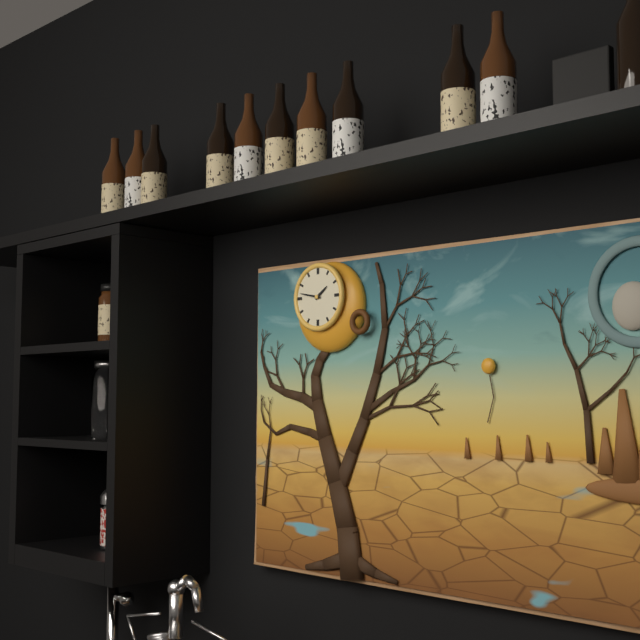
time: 1:47
